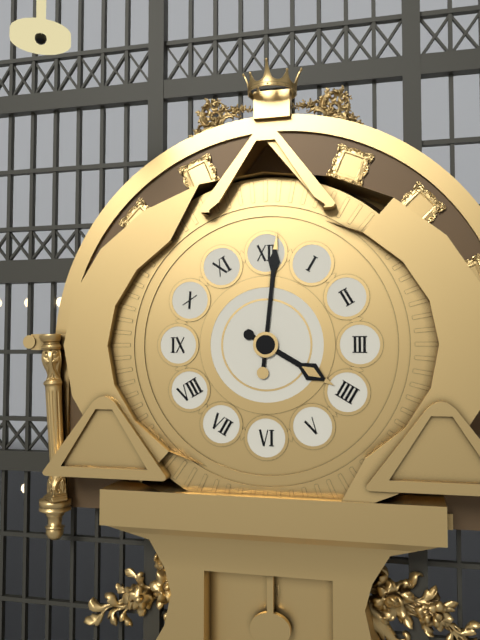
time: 4:01
